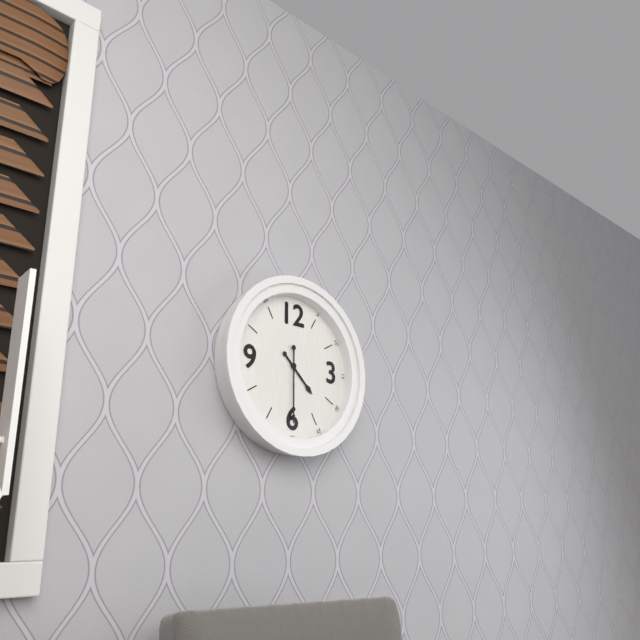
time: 4:30
